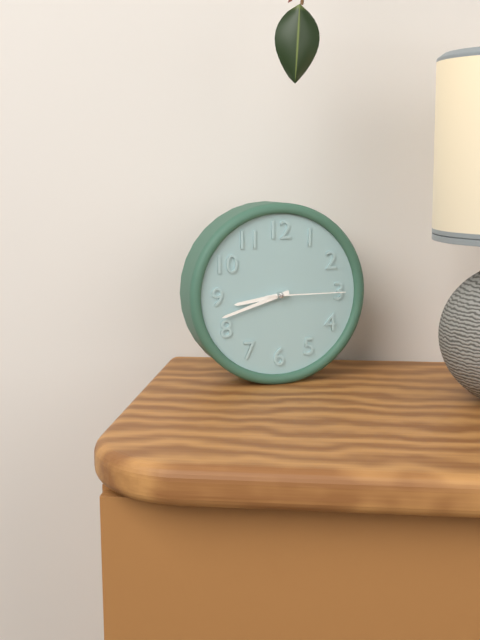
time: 8:42:15
